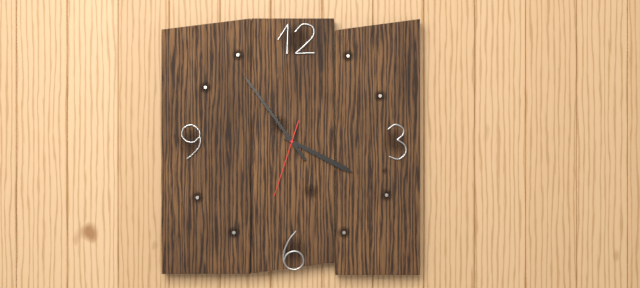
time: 3:54:33
